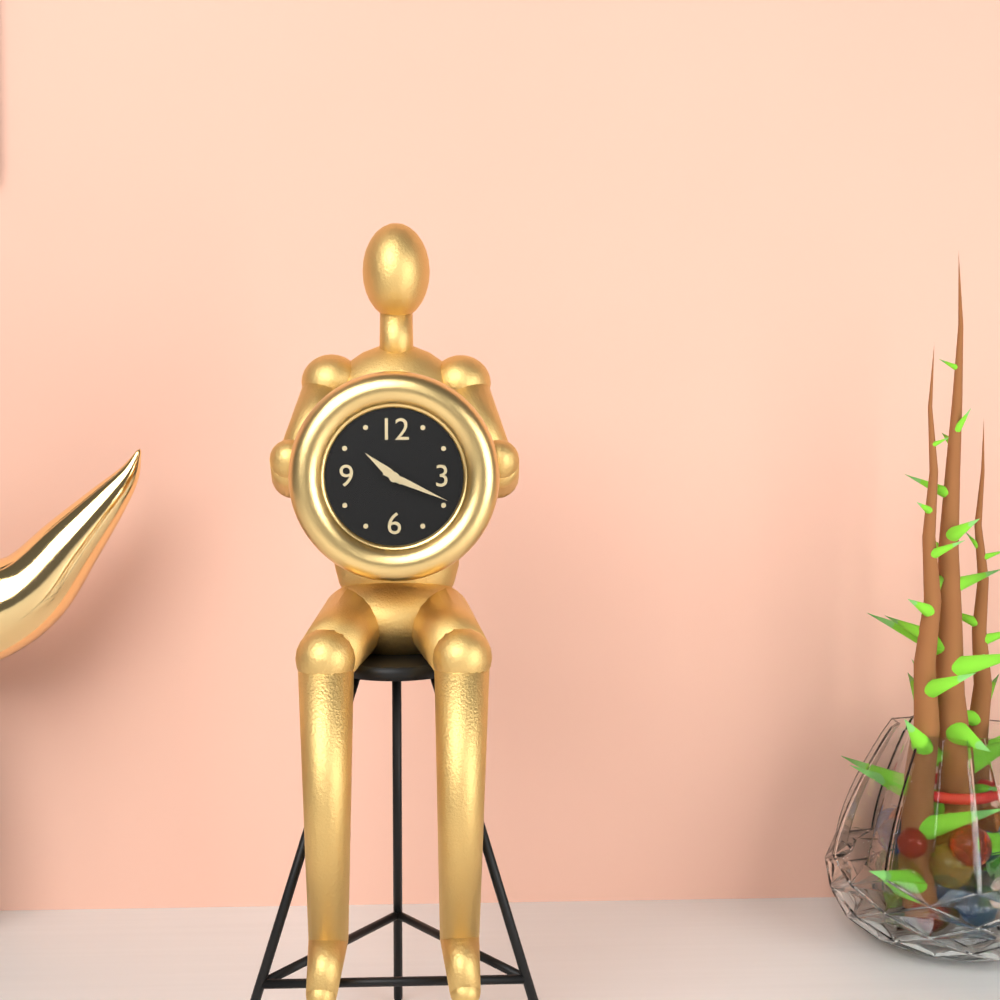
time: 10:19
